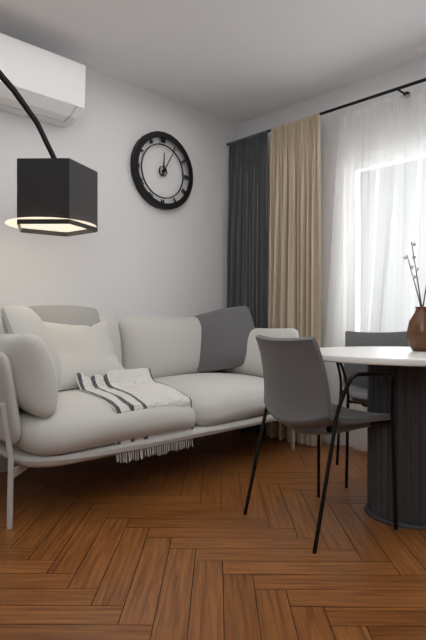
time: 12:05
